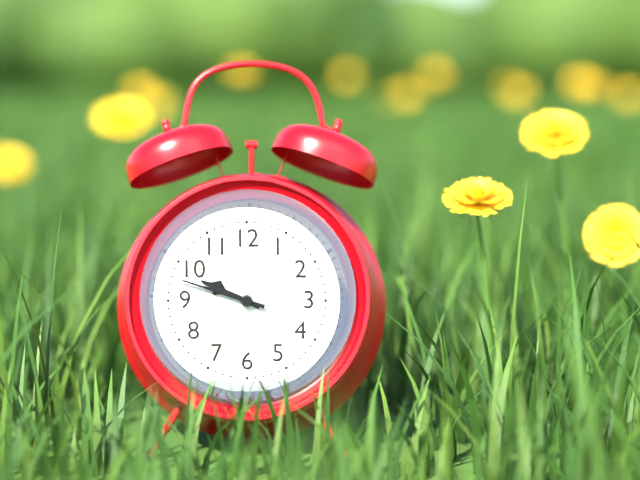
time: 9:48
